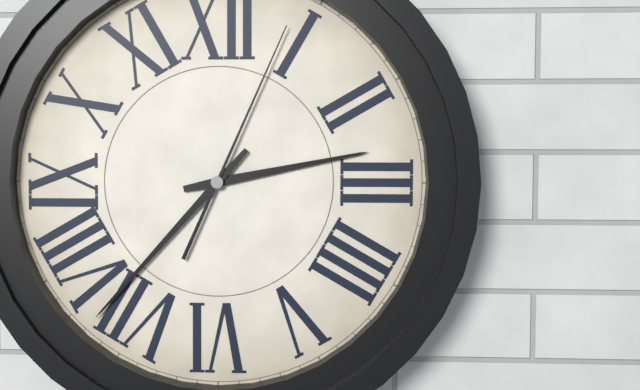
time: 2:37:04
